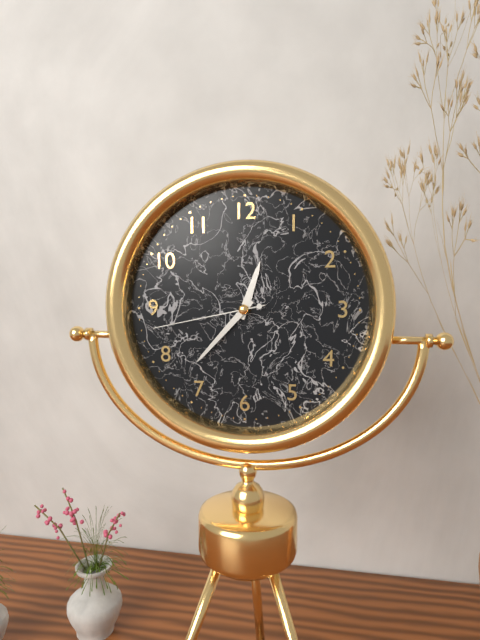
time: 12:37:43
